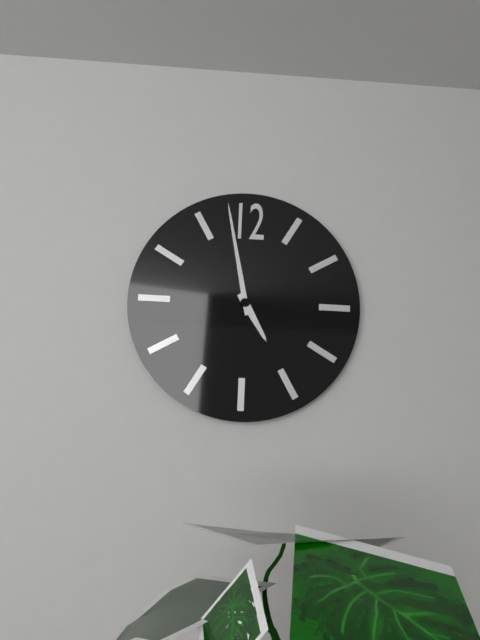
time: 4:58
